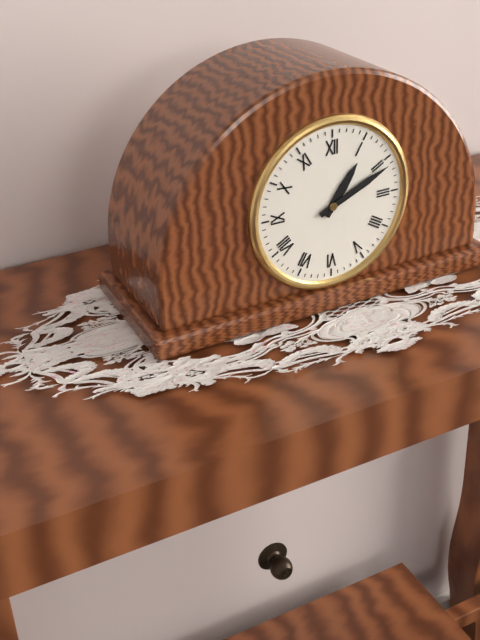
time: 1:11
